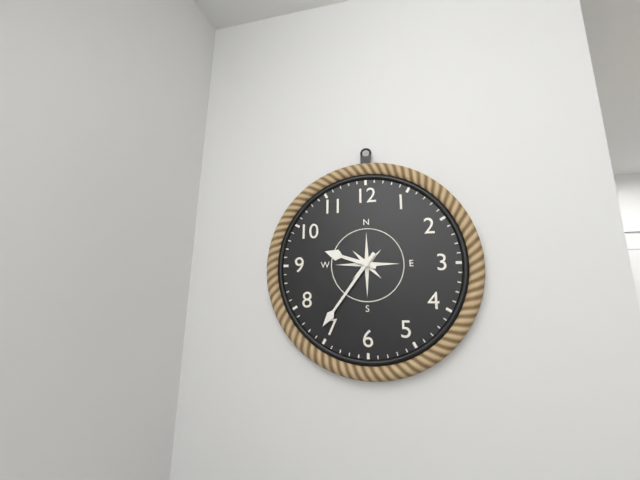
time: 9:36
